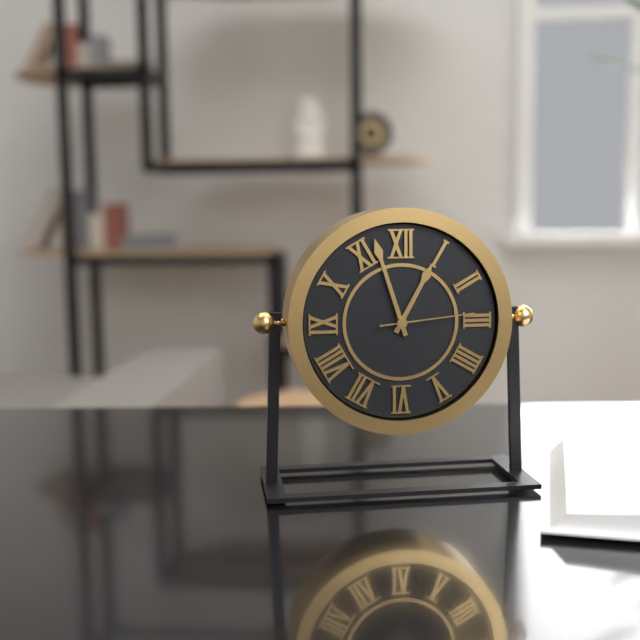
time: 12:57:14
